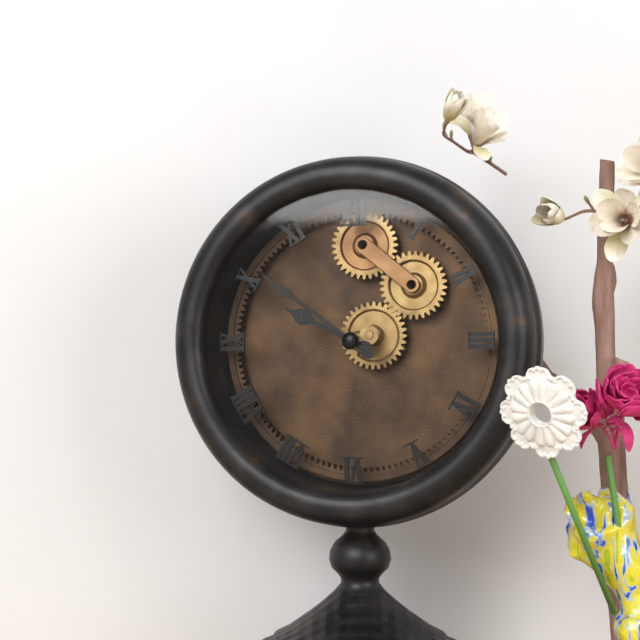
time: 9:51
